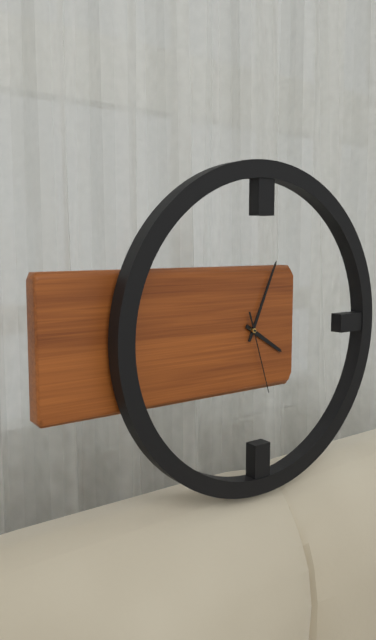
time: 4:04:27
